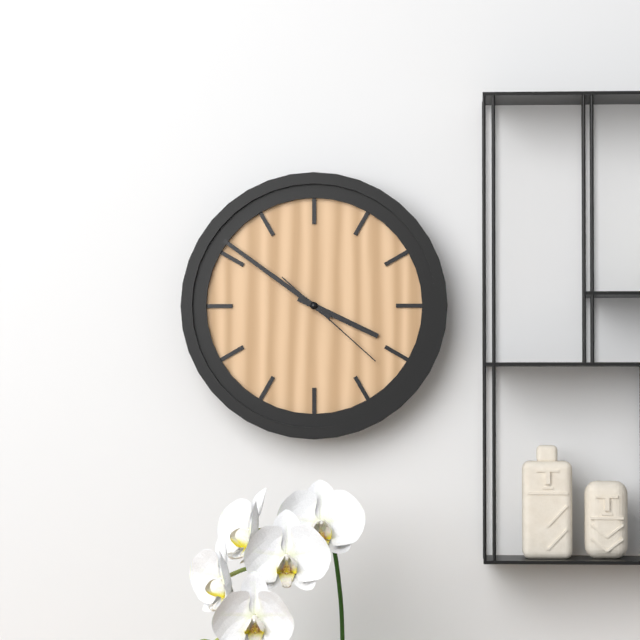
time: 3:51:22
